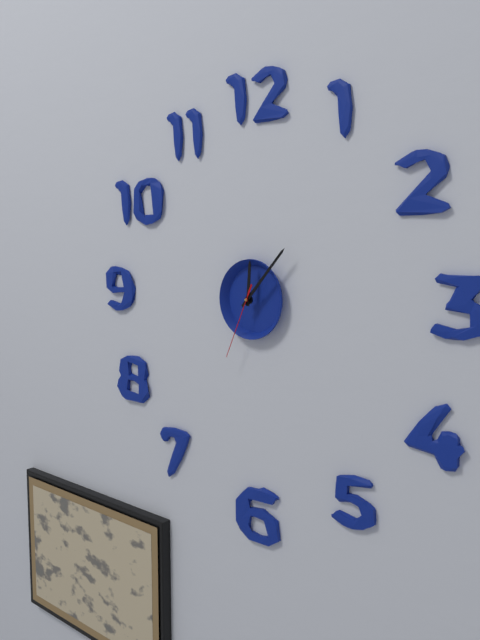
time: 12:07:34
